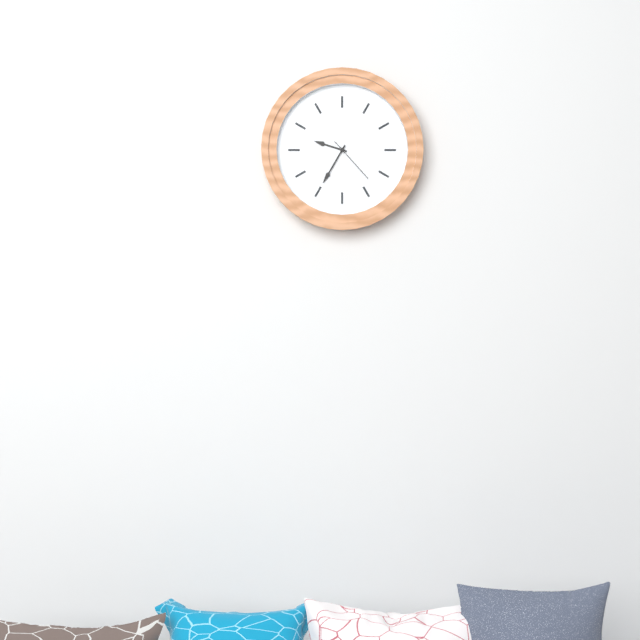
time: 9:35
